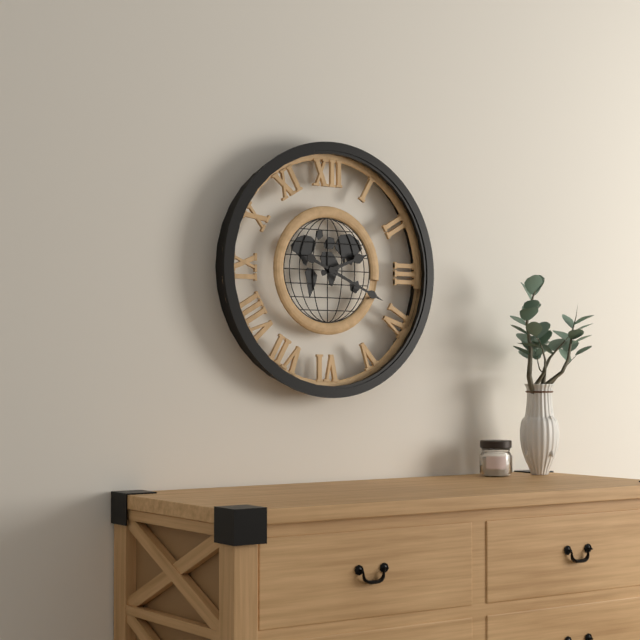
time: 2:19
